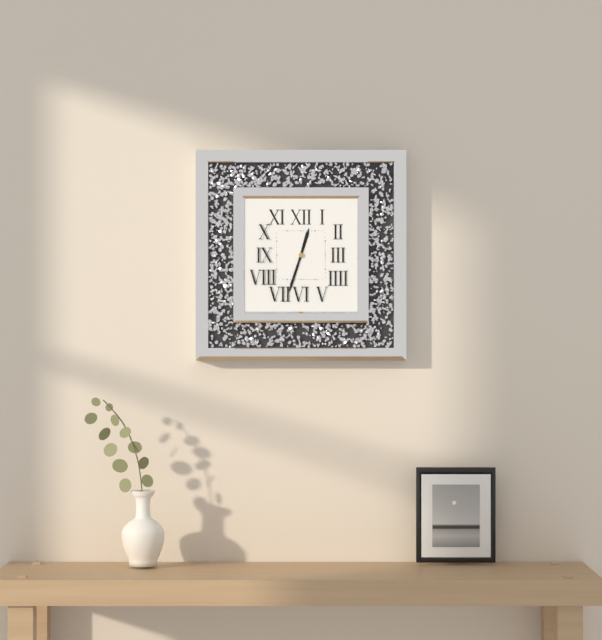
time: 12:33
